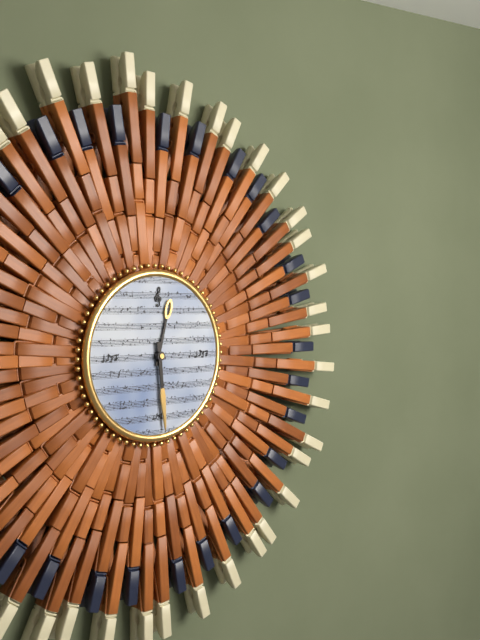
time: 12:29
